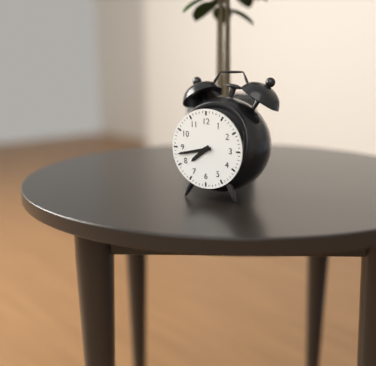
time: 7:43
